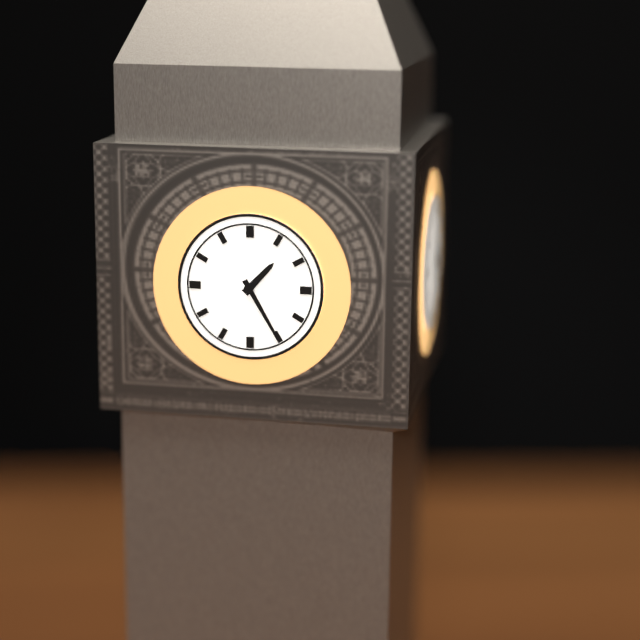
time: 1:25
